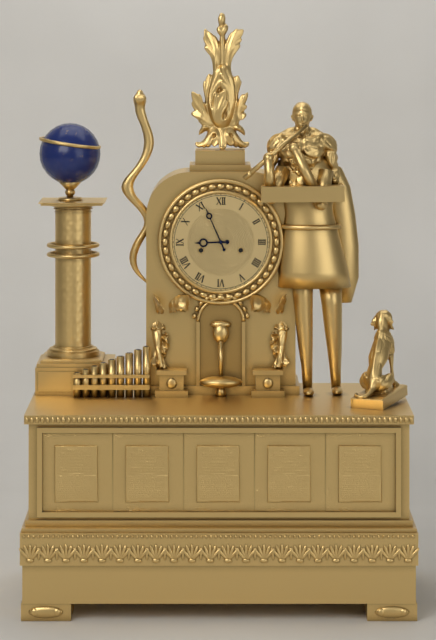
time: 8:56
